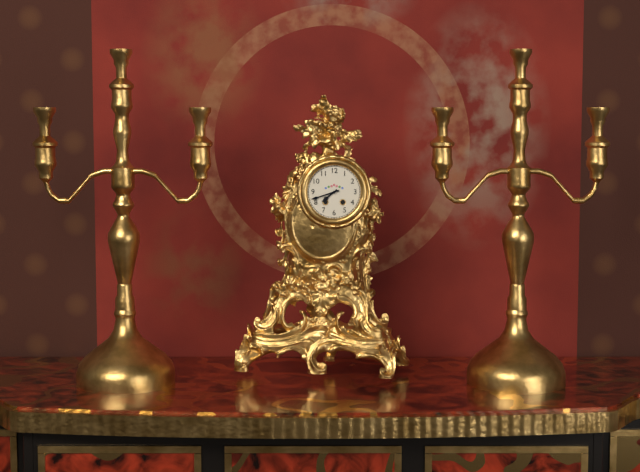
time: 7:42
